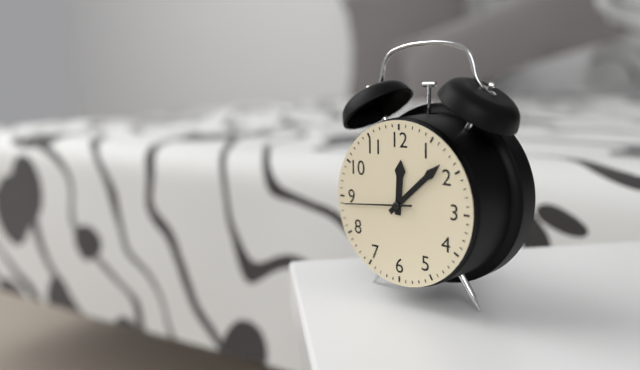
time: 12:08:44
